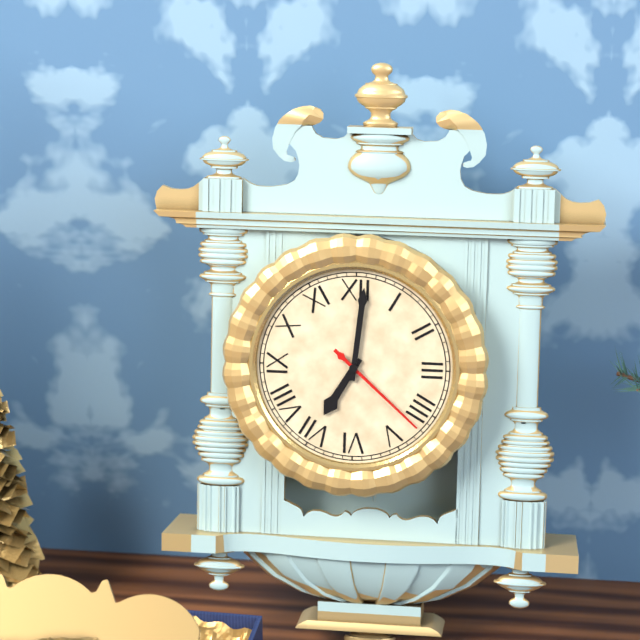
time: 7:01:22
